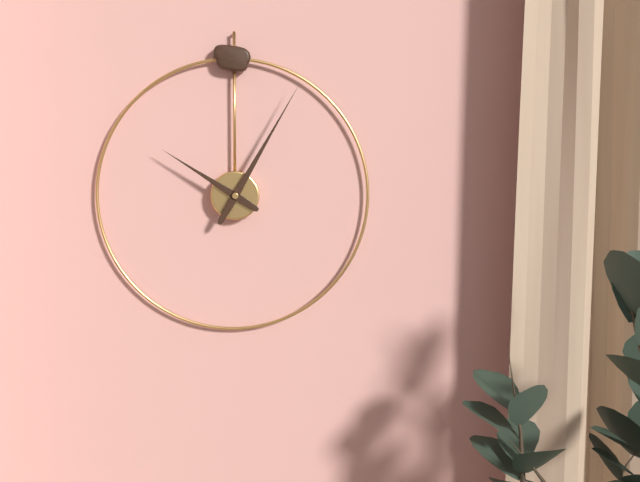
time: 10:05
